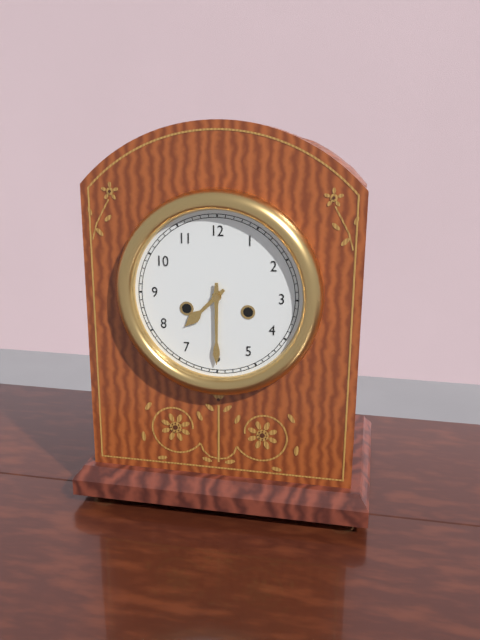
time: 7:30
